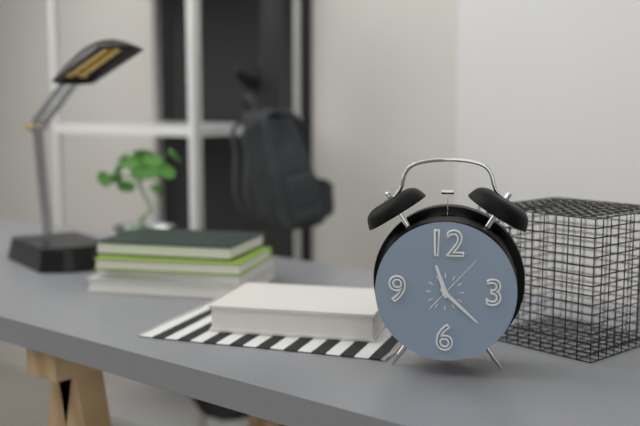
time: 11:22:07
